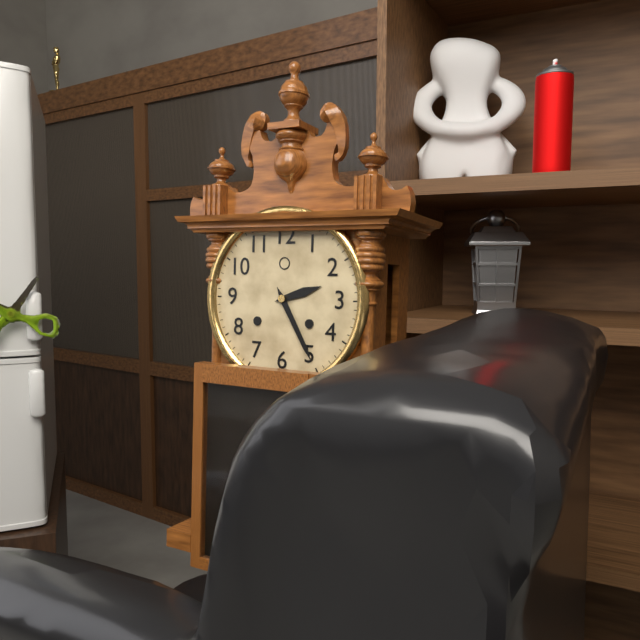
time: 2:25
